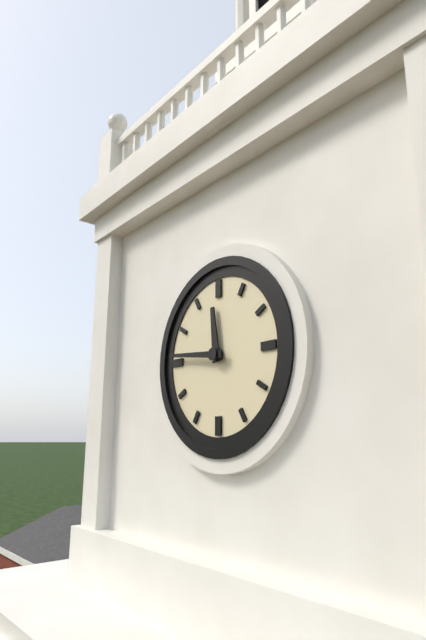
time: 11:46
